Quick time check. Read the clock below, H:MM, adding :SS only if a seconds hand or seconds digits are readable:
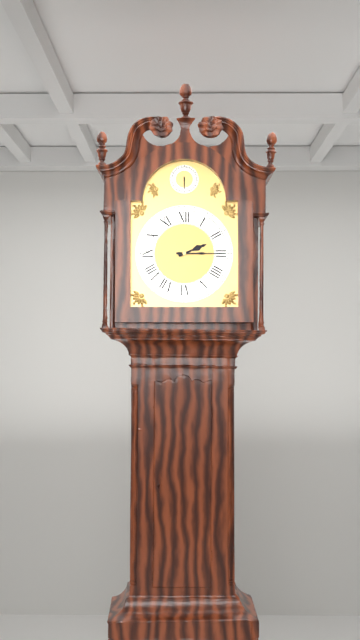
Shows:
2:15
